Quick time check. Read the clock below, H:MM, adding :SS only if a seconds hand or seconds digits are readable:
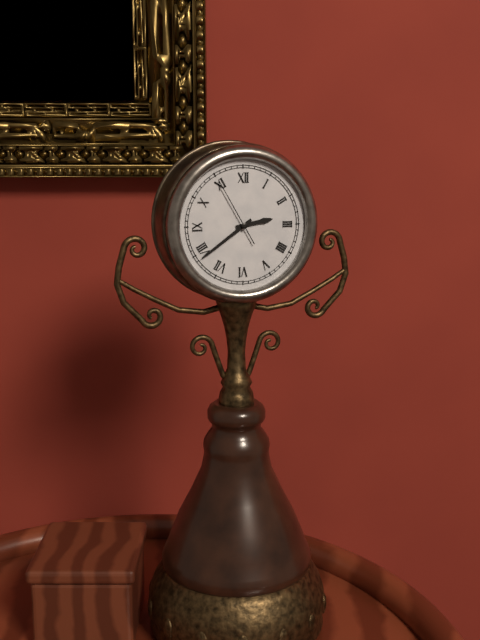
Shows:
2:39:55
